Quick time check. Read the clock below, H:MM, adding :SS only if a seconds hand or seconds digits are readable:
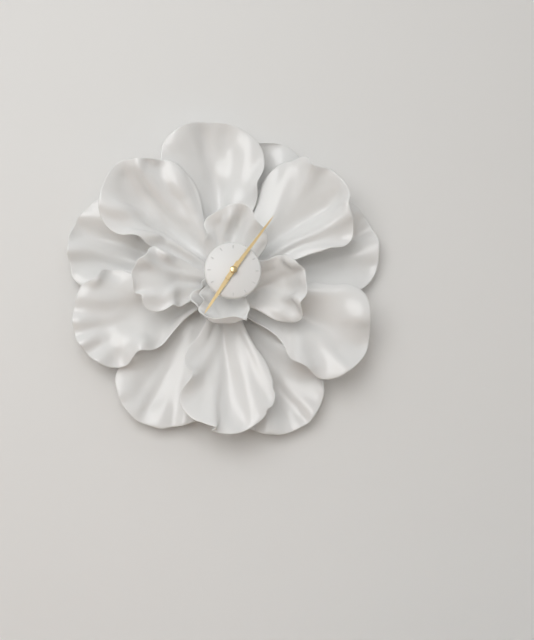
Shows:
7:06
